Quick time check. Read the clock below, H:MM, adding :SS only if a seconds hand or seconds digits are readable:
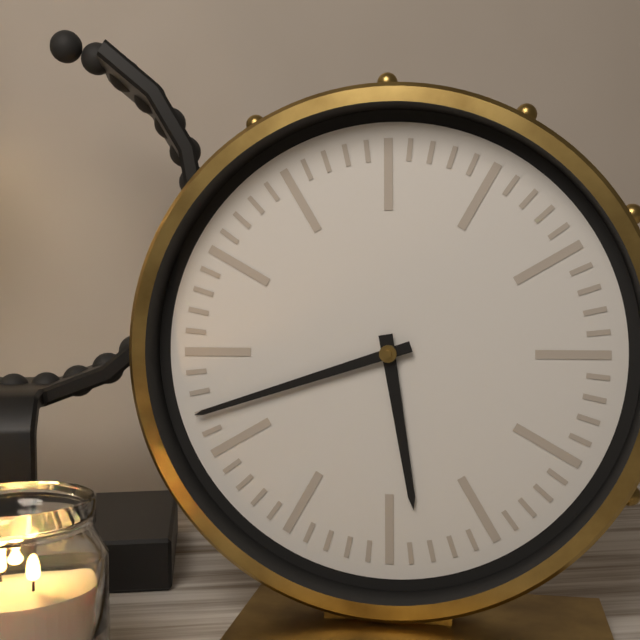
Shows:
5:42
